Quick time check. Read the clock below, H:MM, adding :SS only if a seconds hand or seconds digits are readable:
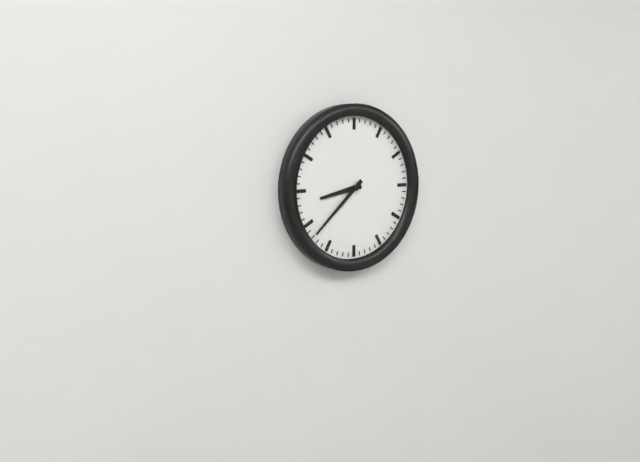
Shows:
8:38
